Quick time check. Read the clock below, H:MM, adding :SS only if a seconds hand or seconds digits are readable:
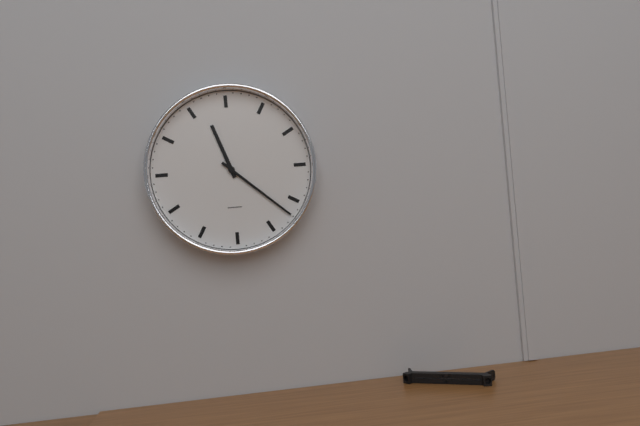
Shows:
11:22
